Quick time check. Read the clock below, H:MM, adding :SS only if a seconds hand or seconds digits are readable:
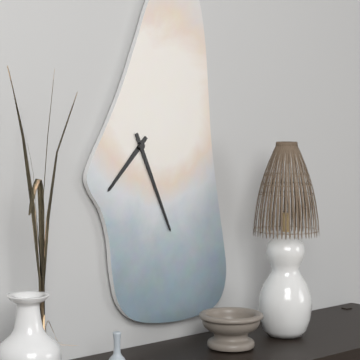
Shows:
7:26
